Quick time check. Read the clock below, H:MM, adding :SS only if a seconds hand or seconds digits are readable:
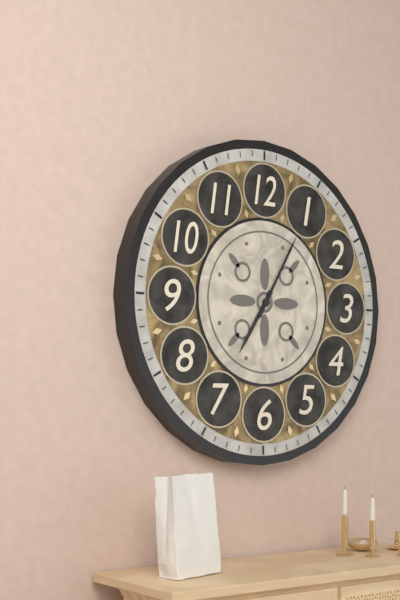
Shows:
7:05
